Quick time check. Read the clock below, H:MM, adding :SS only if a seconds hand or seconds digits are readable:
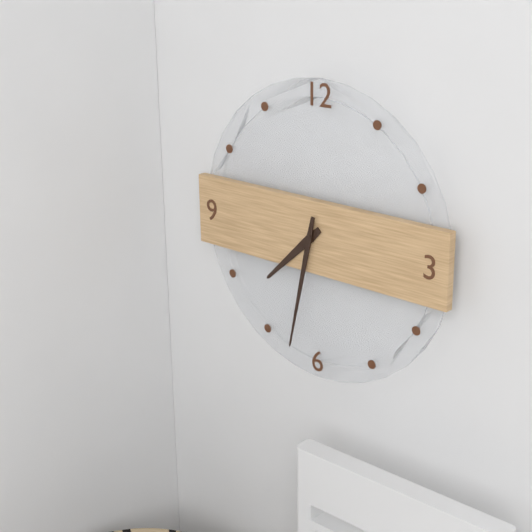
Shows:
7:32
